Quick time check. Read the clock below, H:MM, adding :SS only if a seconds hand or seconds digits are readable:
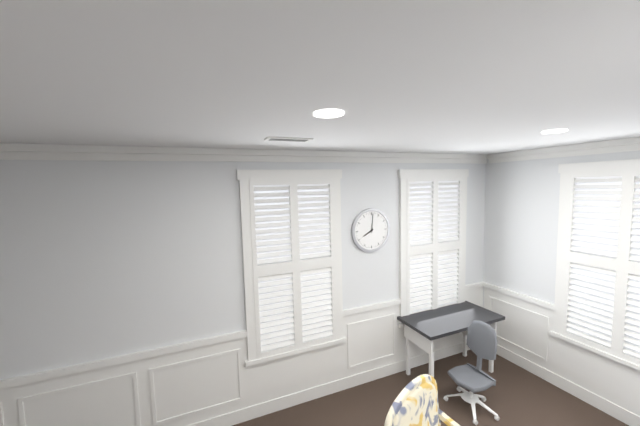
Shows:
8:01
